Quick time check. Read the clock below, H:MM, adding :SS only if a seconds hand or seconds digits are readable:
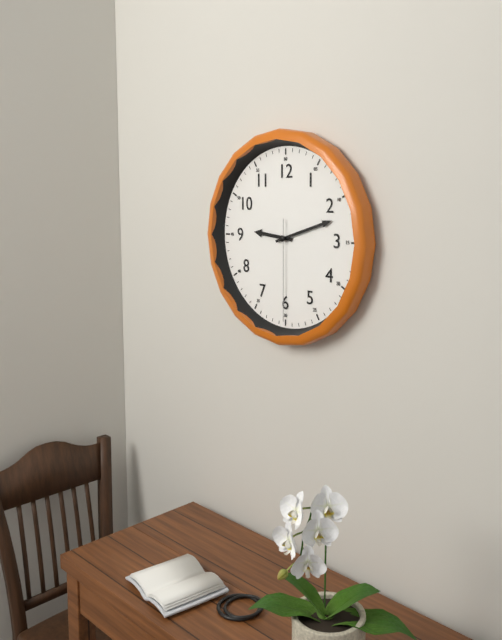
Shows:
9:12:30
